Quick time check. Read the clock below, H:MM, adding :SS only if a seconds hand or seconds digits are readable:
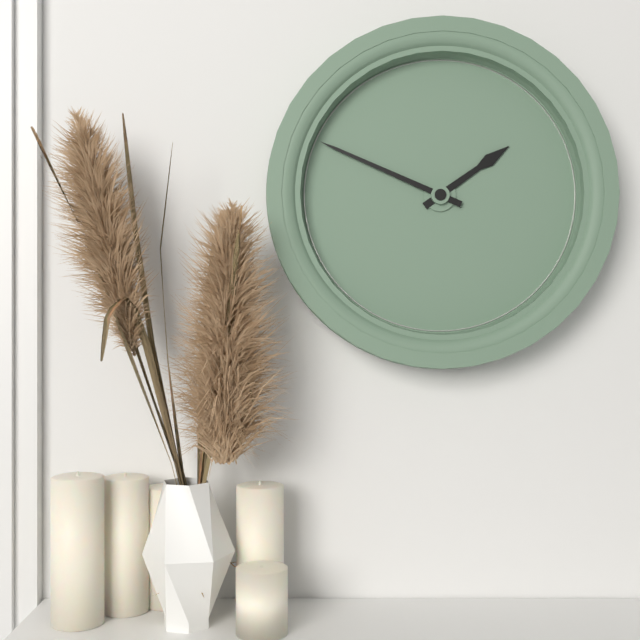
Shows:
1:49
